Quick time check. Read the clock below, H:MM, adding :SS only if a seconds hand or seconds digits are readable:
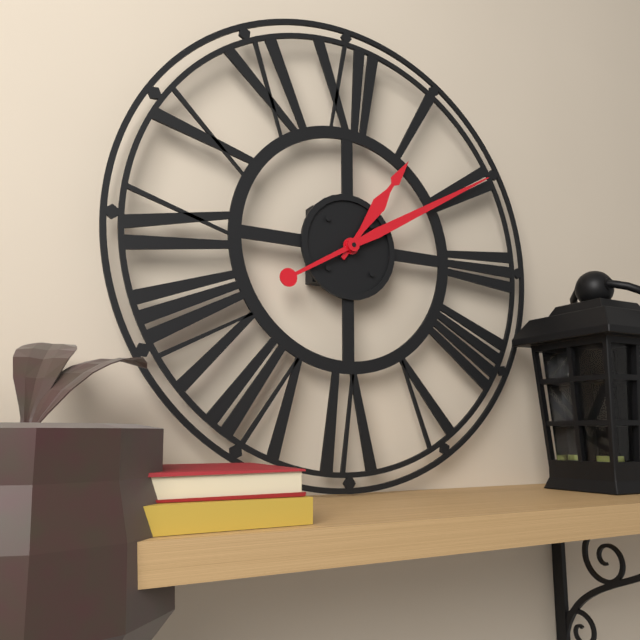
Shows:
1:10
